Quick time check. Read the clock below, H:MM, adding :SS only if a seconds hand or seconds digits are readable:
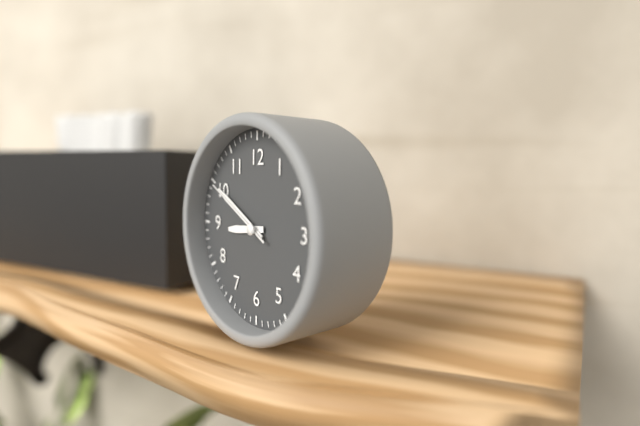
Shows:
8:50:50
